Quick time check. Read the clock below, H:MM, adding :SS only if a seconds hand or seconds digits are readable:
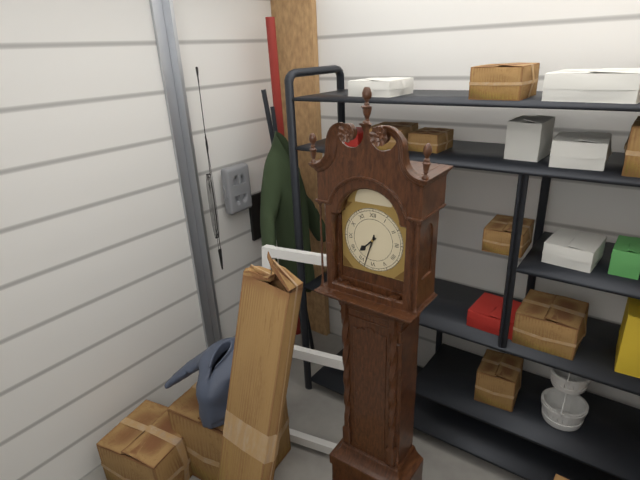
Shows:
7:33
